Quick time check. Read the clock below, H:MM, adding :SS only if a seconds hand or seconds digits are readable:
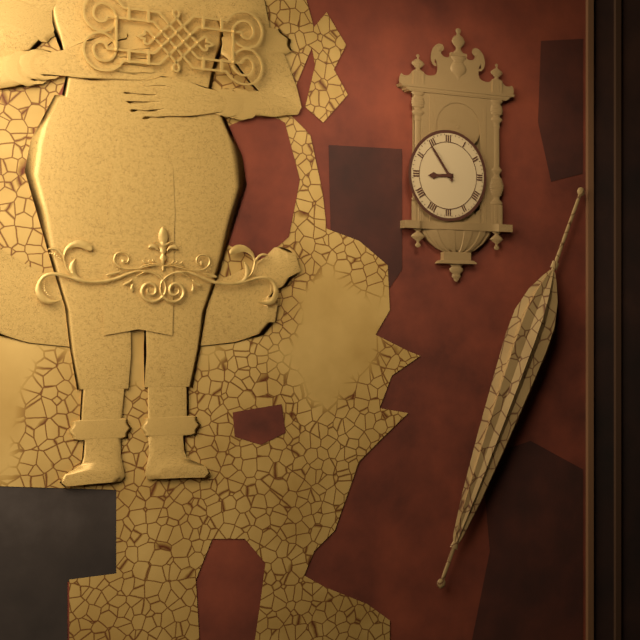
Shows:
8:54
